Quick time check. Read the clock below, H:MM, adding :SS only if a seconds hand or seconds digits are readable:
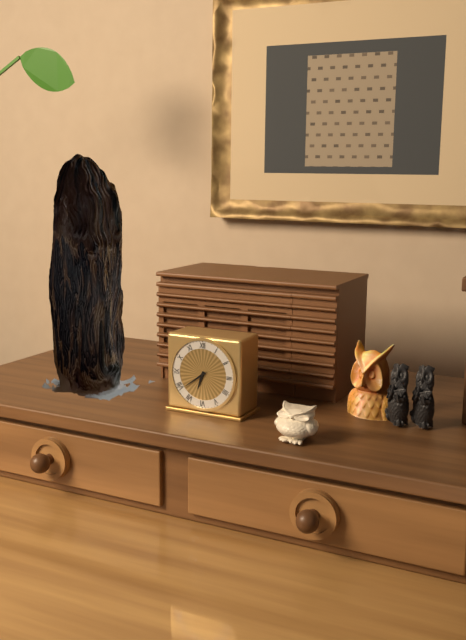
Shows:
6:39
